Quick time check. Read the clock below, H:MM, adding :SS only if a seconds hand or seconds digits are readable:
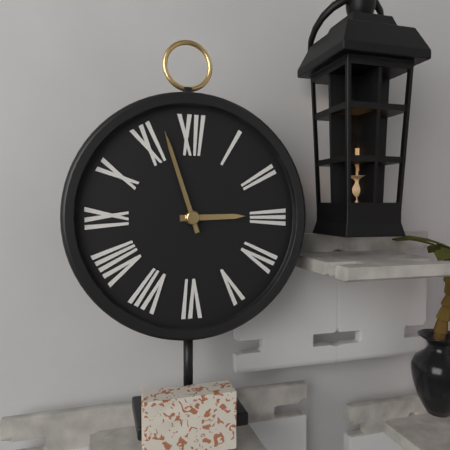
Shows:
2:57
